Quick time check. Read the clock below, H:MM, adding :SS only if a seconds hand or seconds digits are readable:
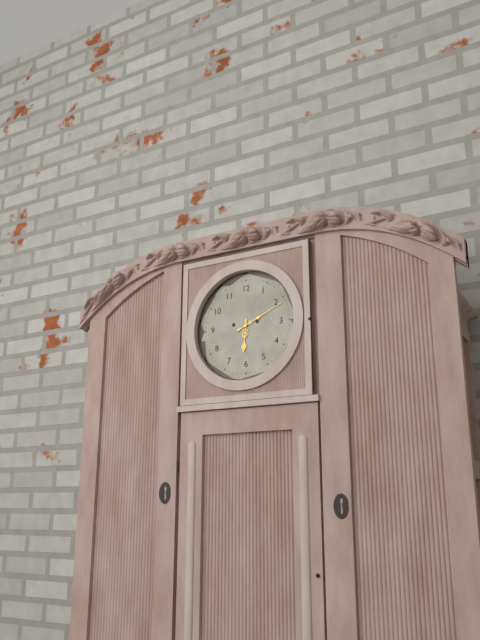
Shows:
6:11
